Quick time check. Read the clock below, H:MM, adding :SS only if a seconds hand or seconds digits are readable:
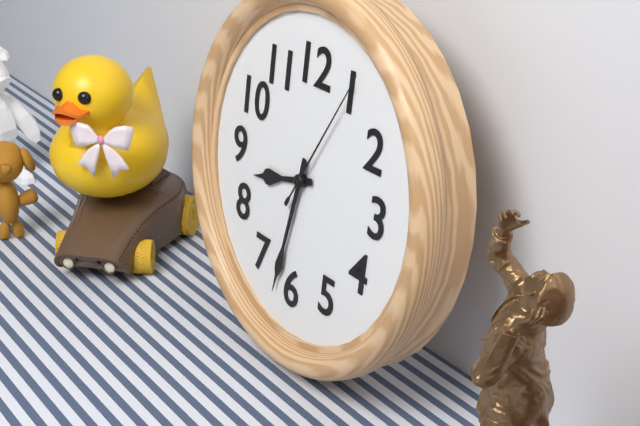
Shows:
8:32:05
